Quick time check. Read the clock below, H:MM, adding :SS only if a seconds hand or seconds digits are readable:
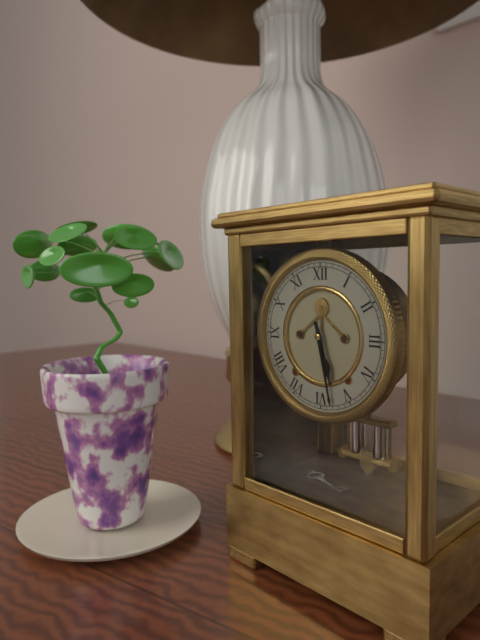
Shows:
5:28
